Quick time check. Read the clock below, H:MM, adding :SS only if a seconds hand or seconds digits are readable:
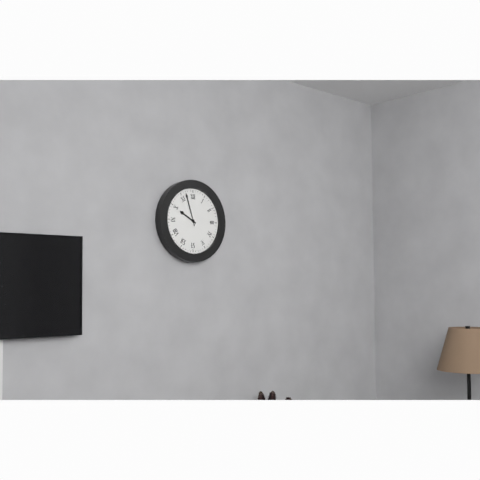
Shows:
9:57
